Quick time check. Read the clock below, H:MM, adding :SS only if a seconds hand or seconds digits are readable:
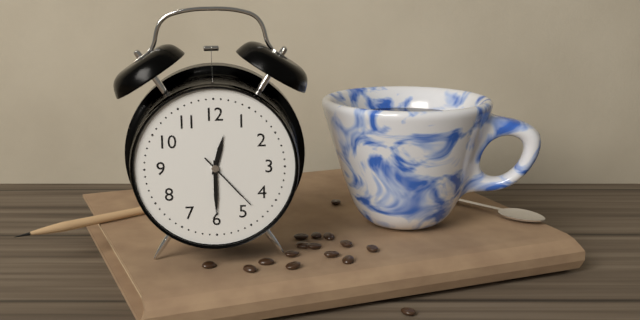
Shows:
12:30:23
